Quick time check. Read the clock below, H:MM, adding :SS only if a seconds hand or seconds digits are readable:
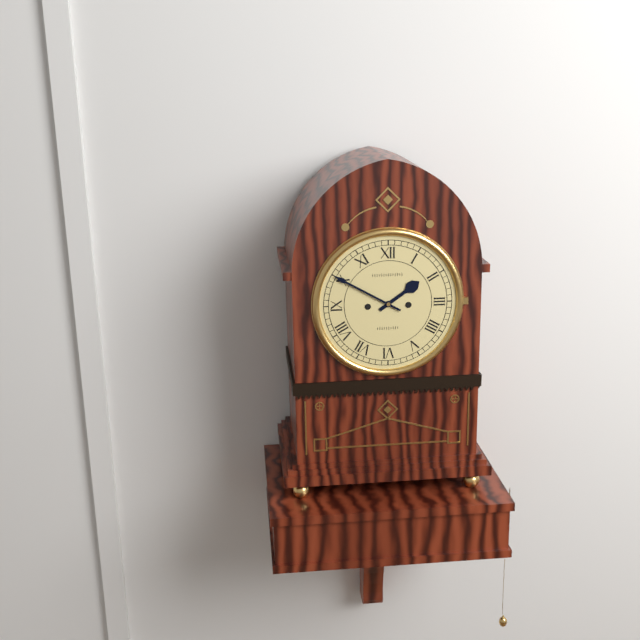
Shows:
1:50
